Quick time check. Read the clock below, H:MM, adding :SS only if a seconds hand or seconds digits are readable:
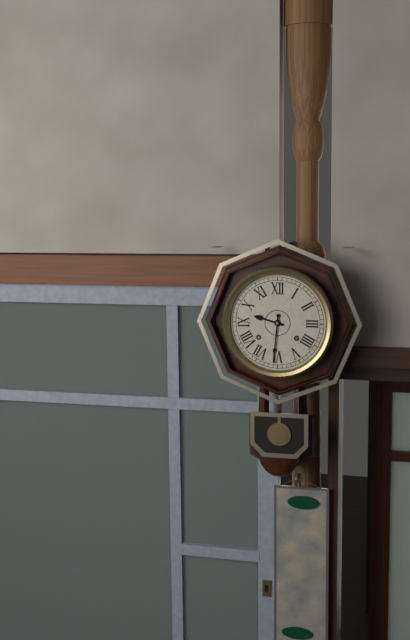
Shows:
9:31
